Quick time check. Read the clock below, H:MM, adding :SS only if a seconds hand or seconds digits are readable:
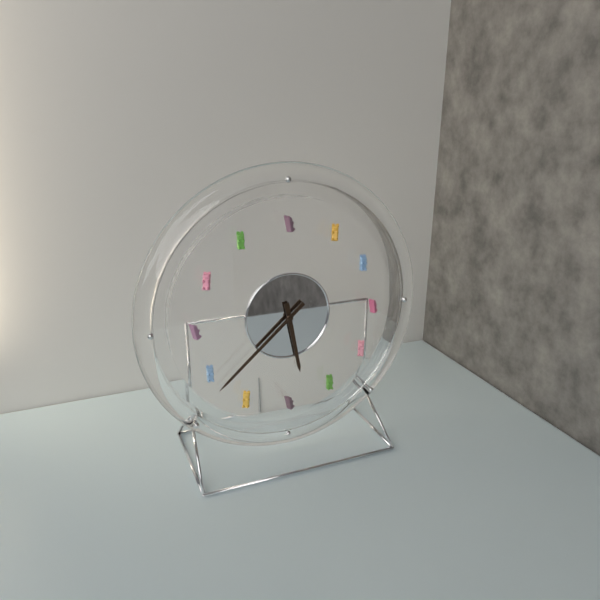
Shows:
5:38
